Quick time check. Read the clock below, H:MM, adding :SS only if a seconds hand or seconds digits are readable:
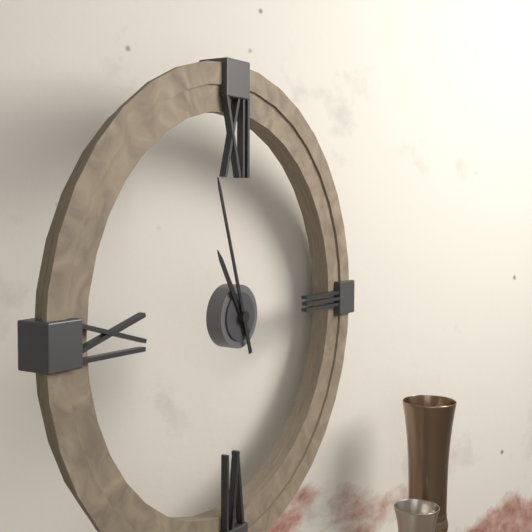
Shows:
10:57
